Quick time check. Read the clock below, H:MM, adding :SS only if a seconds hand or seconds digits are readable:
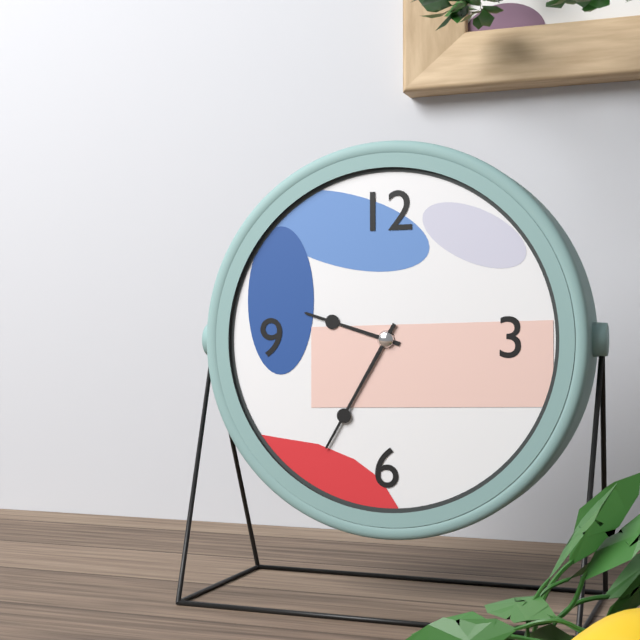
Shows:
9:35
